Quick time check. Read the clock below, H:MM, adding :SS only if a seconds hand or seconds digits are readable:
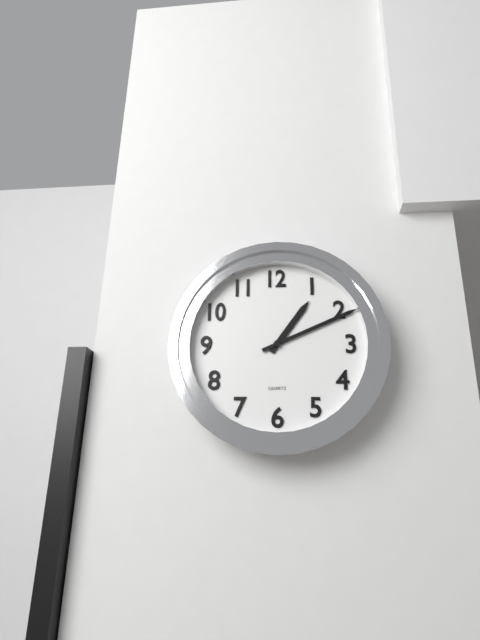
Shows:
1:11
